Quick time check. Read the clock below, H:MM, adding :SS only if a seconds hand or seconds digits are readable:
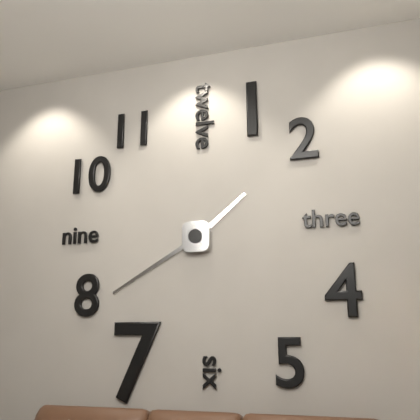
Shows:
1:40
